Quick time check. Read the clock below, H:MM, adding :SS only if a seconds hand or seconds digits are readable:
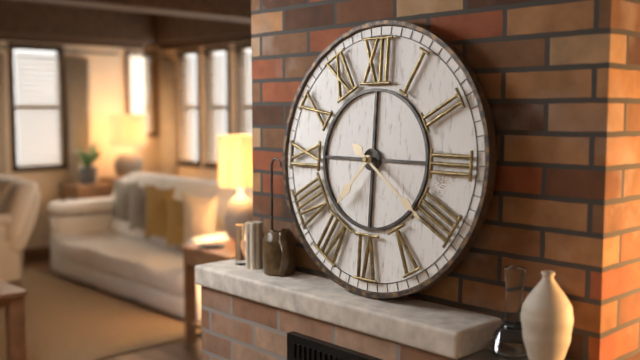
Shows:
7:21
